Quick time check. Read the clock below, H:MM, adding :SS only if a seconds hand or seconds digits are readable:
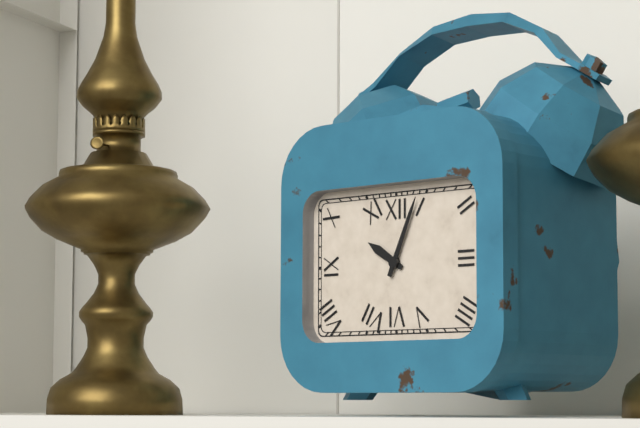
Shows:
10:04
